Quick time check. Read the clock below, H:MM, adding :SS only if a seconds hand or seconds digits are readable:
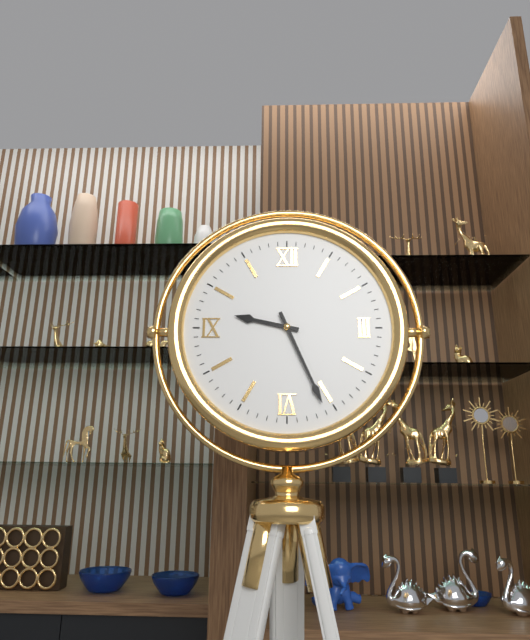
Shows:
9:26
